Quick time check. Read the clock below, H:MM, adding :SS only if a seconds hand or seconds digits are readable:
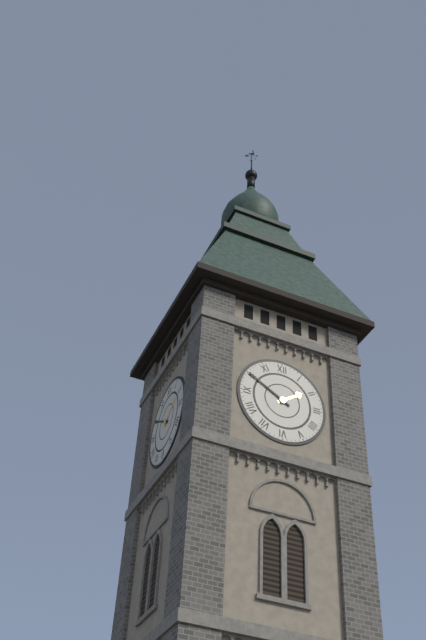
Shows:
1:50
